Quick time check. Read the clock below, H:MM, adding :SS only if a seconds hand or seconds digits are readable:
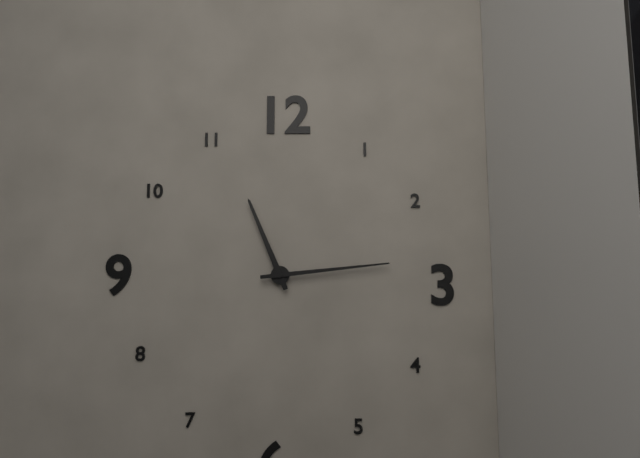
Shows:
11:14
